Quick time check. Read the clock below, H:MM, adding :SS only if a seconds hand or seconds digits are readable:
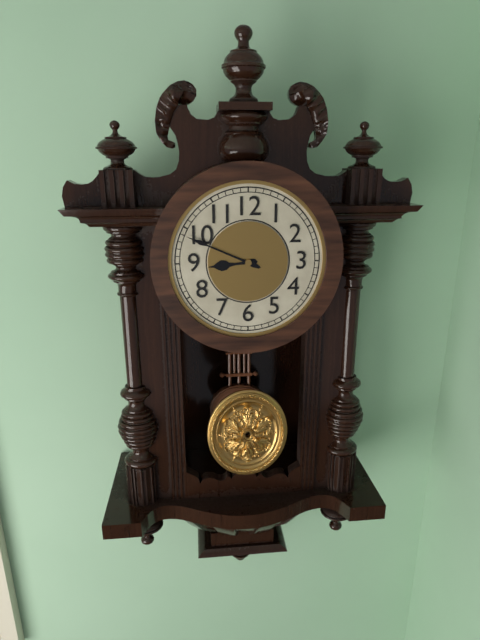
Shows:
8:49
